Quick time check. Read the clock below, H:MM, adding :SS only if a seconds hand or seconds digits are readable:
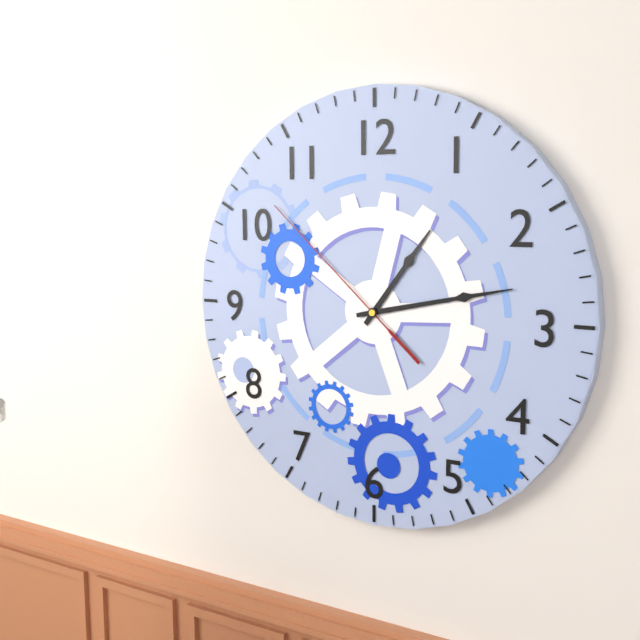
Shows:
1:13:52
